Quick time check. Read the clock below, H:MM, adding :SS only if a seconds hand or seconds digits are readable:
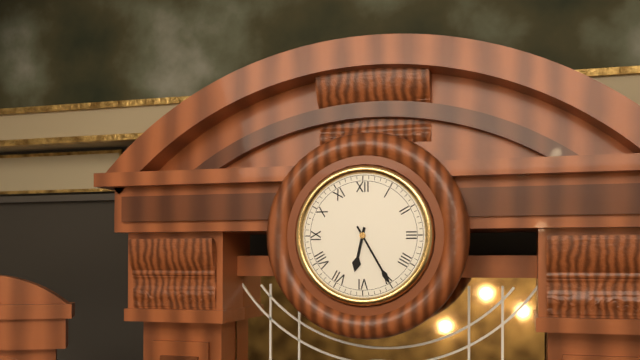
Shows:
6:25
